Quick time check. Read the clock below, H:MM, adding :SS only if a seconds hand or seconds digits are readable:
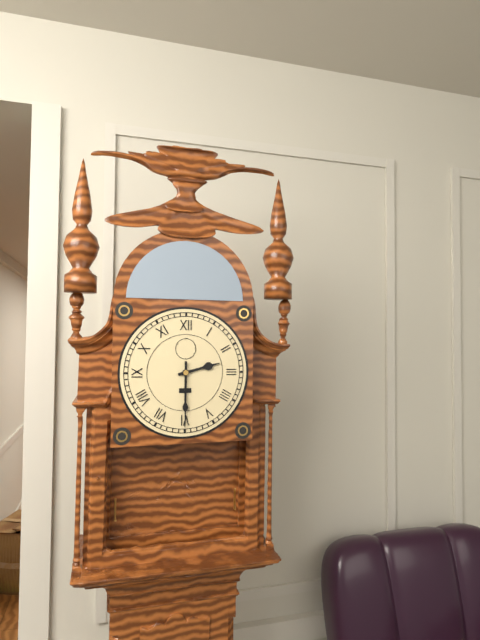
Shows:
2:30
